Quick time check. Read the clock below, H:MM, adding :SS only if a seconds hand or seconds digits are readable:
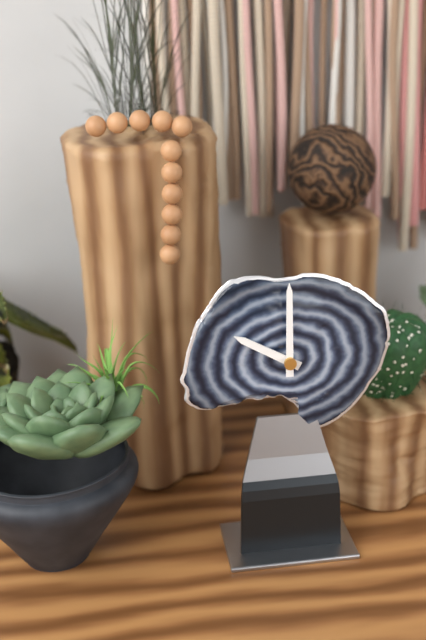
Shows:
10:00
